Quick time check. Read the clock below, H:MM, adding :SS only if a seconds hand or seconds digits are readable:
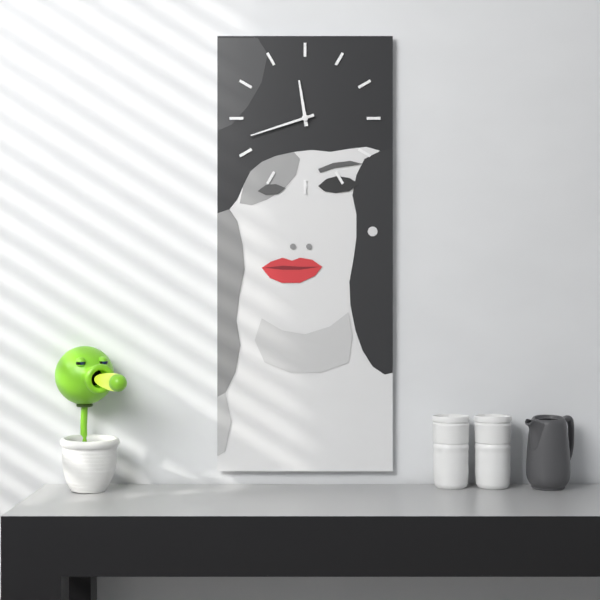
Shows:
11:42
